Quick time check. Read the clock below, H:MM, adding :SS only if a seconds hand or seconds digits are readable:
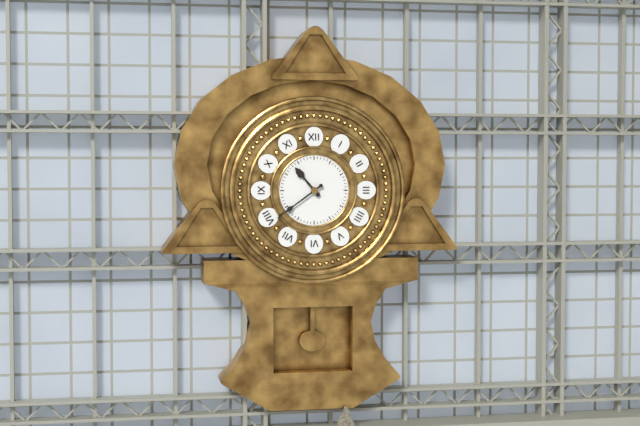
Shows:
10:39
